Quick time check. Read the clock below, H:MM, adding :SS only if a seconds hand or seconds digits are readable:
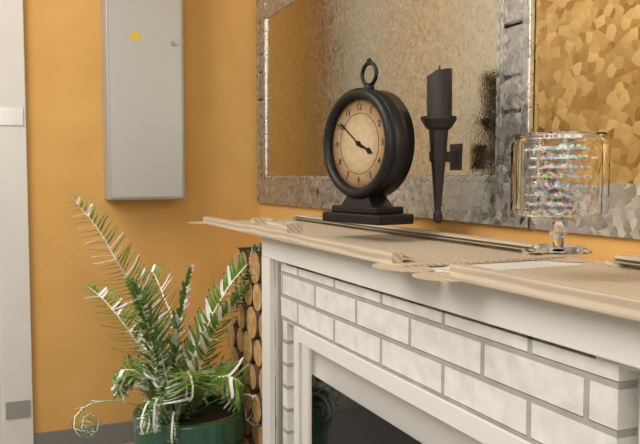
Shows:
3:51
